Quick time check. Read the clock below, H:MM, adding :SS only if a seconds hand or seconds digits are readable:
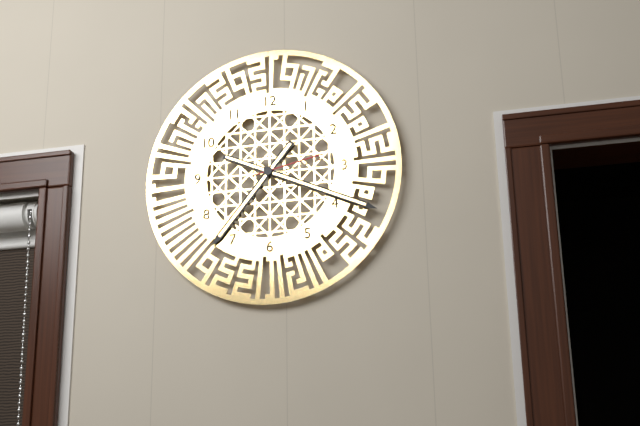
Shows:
7:19:13
